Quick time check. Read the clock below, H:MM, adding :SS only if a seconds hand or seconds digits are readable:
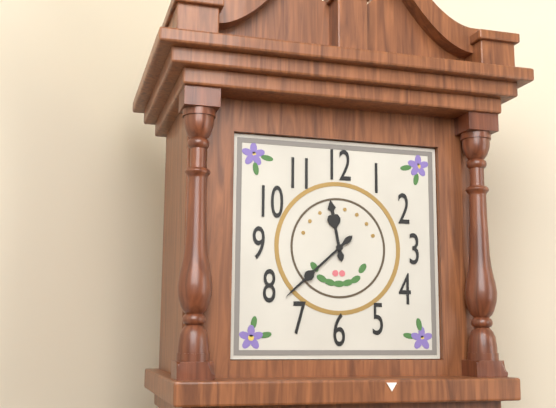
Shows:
11:38
